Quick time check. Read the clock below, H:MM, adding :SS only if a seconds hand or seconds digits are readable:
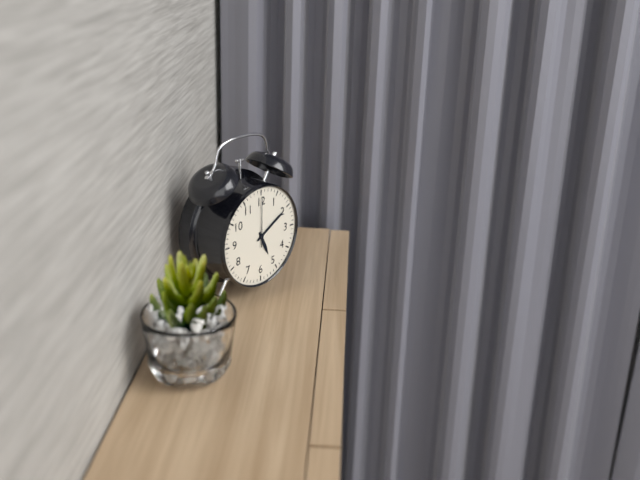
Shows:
5:10
